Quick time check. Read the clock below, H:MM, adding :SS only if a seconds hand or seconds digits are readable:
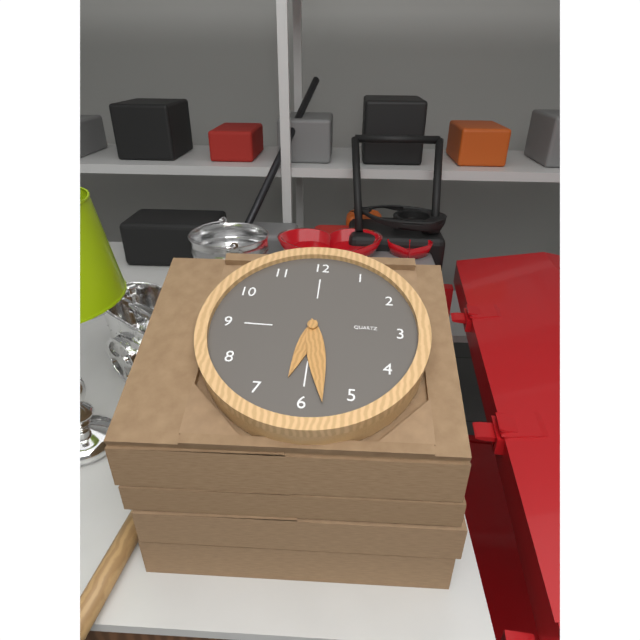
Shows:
6:28
